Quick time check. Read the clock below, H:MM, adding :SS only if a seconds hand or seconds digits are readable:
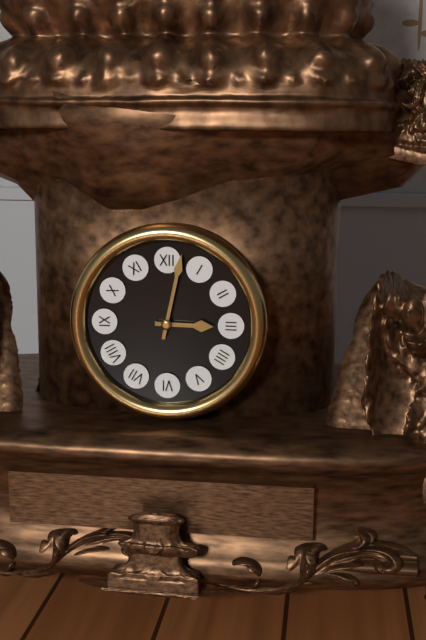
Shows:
3:02
